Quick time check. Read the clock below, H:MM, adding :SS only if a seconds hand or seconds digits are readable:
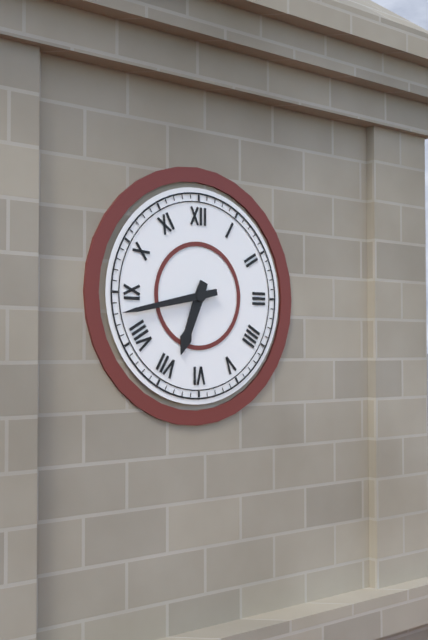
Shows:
6:43
